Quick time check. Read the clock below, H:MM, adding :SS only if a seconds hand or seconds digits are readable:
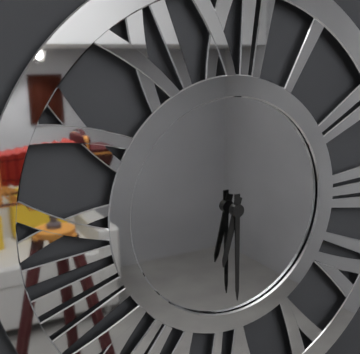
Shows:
6:30
